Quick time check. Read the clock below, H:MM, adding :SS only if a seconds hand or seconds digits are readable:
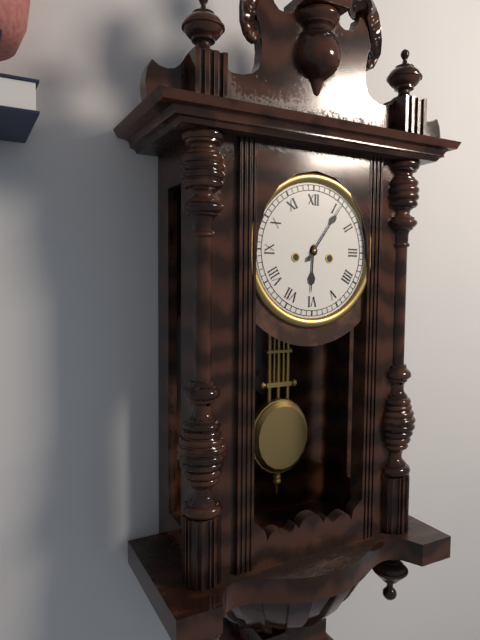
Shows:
6:06
